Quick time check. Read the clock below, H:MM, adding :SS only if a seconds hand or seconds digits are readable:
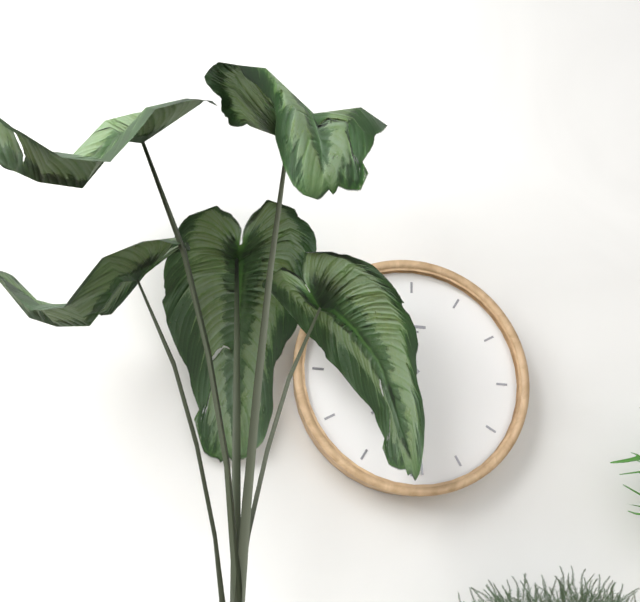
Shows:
7:29
